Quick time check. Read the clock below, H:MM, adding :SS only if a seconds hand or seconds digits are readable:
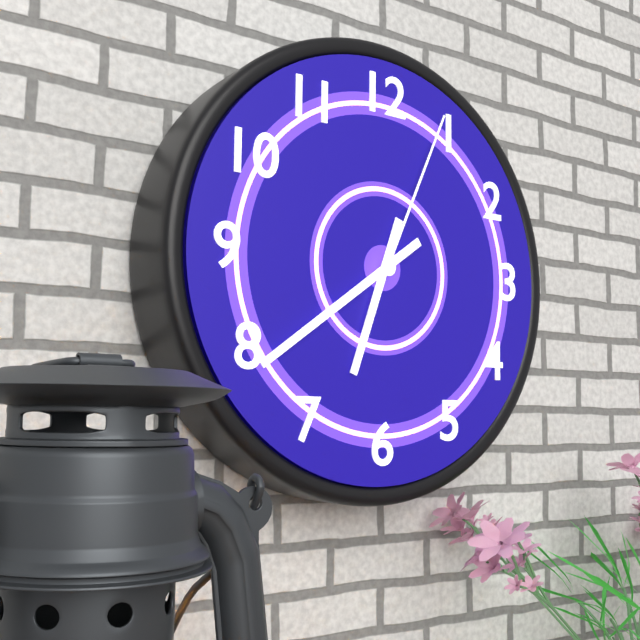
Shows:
6:39:04
